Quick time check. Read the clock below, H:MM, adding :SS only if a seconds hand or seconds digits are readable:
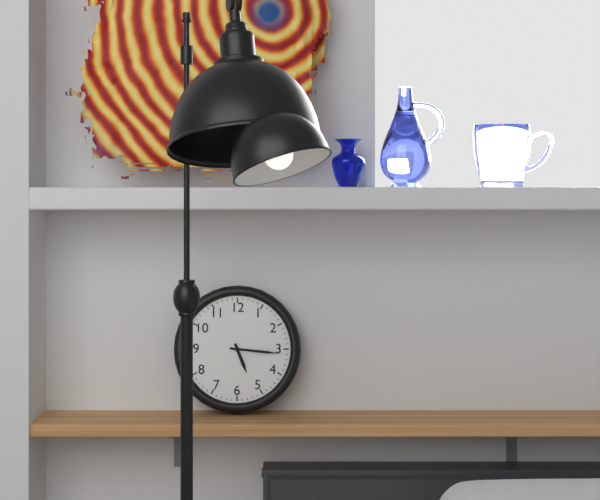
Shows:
5:16
